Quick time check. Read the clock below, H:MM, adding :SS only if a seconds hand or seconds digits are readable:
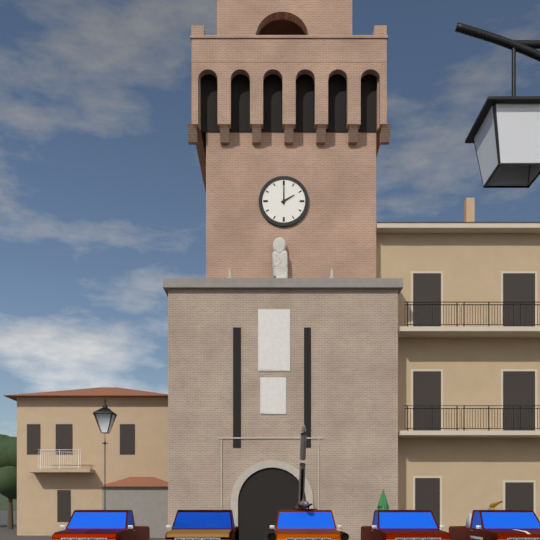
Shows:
2:00
